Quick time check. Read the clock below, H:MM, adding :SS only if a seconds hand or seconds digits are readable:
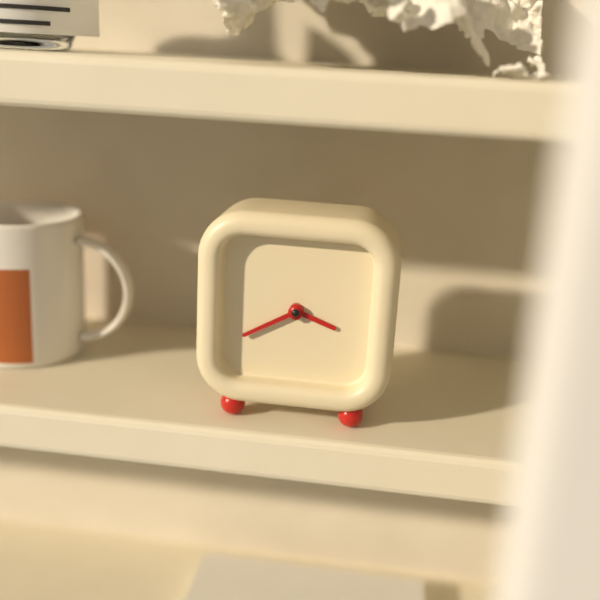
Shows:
3:40
